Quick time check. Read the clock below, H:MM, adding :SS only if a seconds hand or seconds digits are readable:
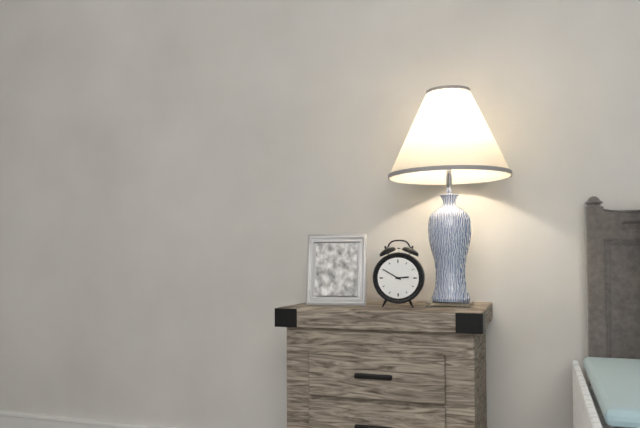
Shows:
2:50
